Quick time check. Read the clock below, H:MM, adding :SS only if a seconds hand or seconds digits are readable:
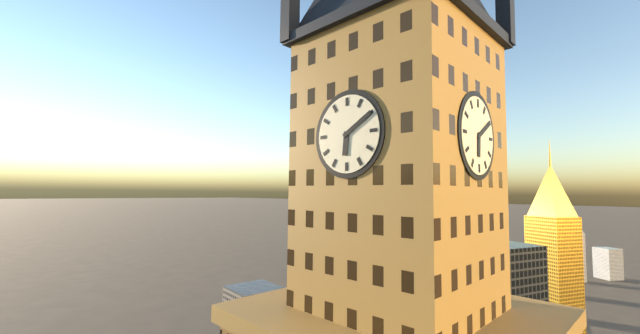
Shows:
6:10
